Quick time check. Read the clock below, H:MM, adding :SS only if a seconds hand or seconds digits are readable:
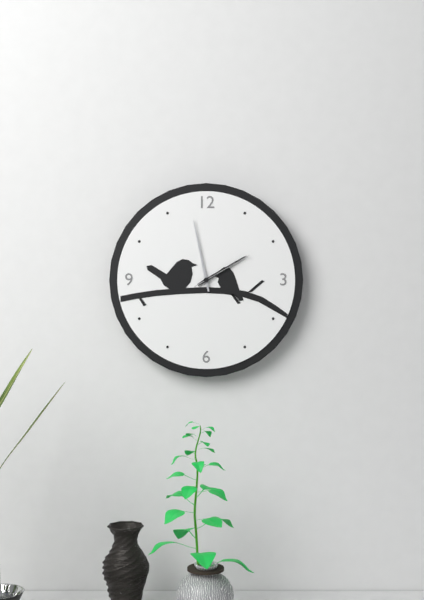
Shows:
1:58:10
